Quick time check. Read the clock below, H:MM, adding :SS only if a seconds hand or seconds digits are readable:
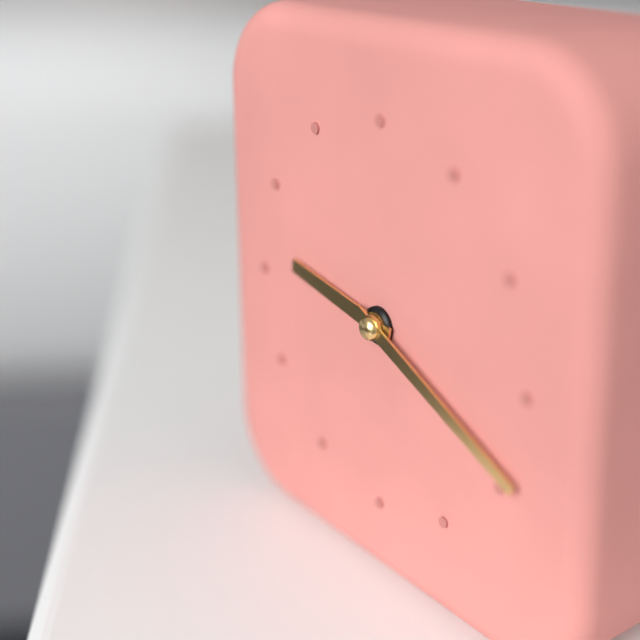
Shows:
9:19
